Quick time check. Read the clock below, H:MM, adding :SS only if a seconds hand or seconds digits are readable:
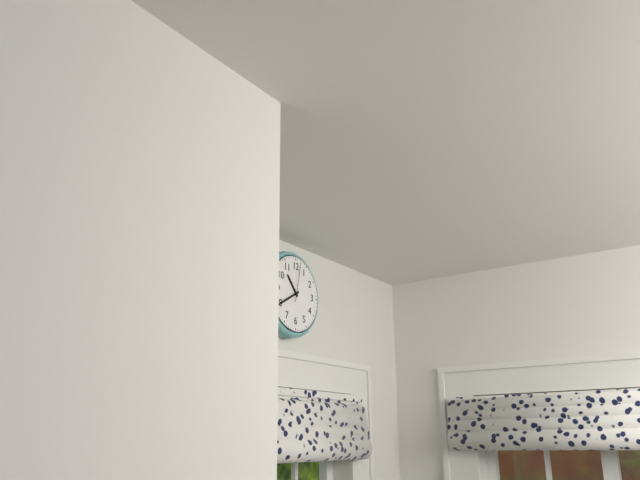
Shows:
10:40
